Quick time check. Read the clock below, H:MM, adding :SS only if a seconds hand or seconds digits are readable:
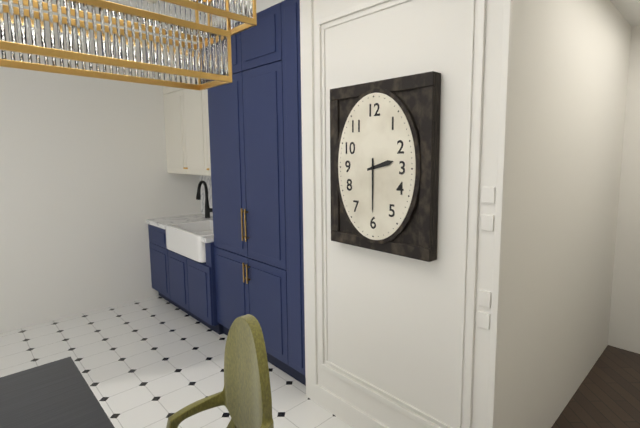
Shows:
2:30
